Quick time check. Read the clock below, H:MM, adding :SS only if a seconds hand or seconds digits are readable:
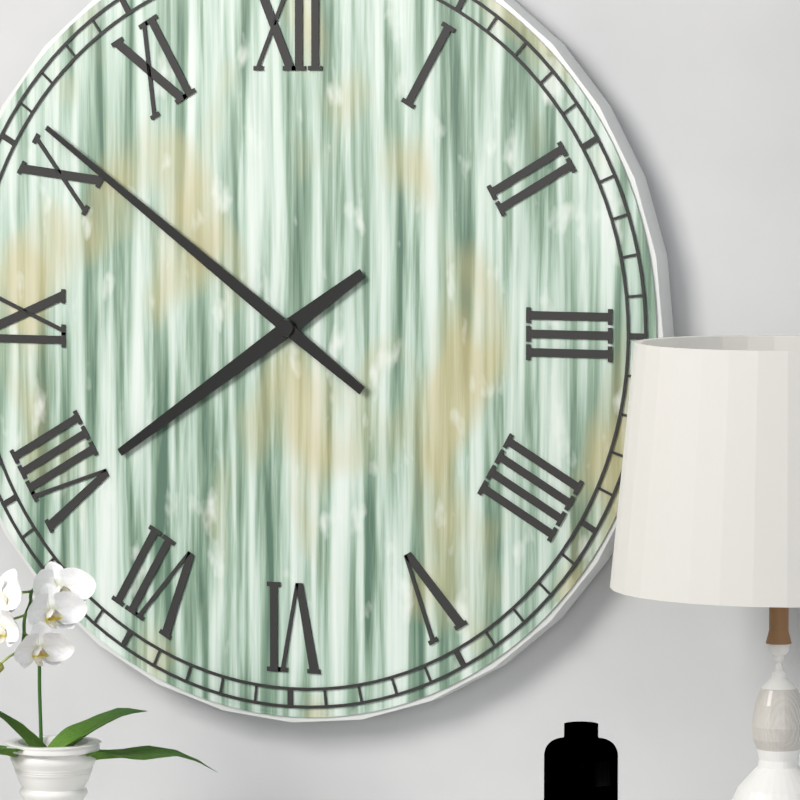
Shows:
7:51
